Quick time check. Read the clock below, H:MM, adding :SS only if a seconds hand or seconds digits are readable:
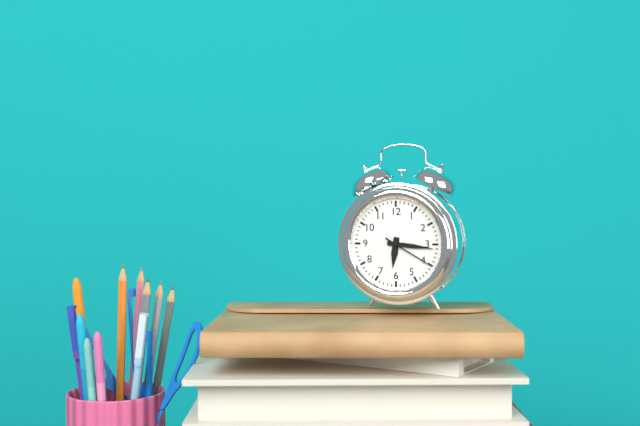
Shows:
6:16:20
